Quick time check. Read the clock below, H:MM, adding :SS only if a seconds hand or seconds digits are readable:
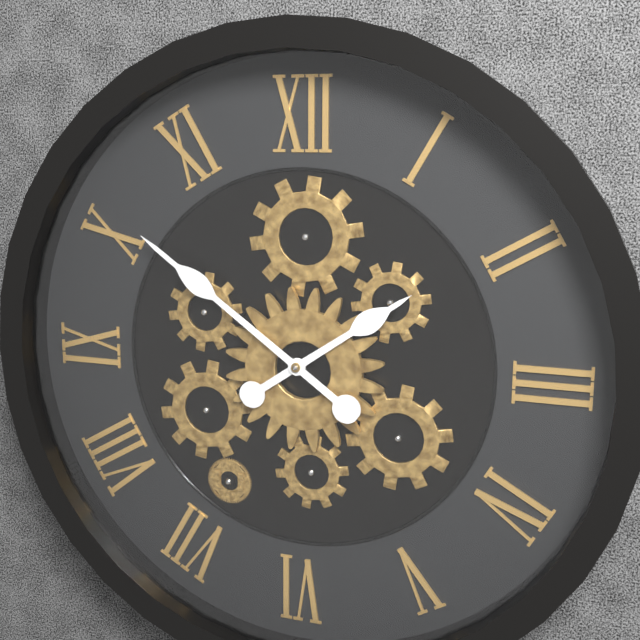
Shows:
1:51
